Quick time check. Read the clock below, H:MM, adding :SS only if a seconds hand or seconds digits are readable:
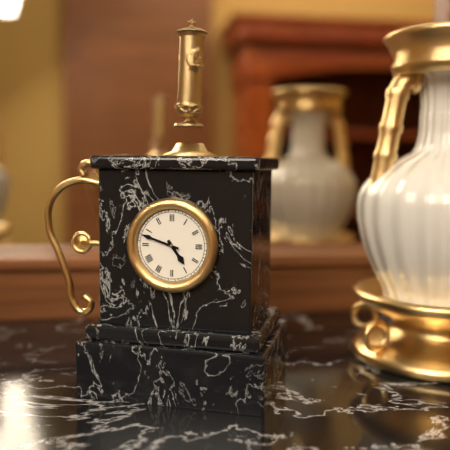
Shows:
4:48
